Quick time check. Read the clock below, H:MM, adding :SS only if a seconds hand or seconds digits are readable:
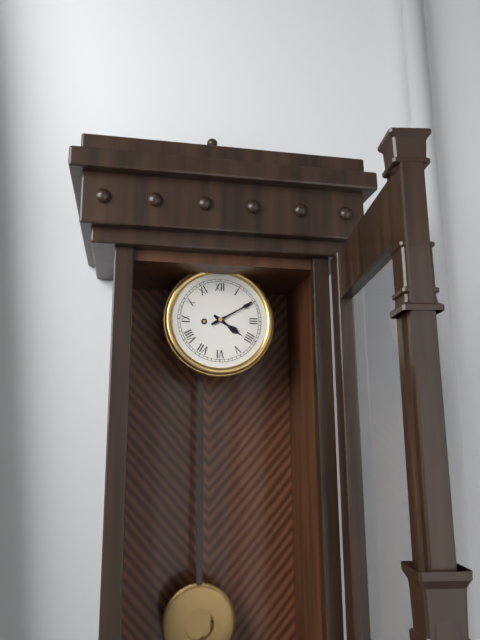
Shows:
4:10
